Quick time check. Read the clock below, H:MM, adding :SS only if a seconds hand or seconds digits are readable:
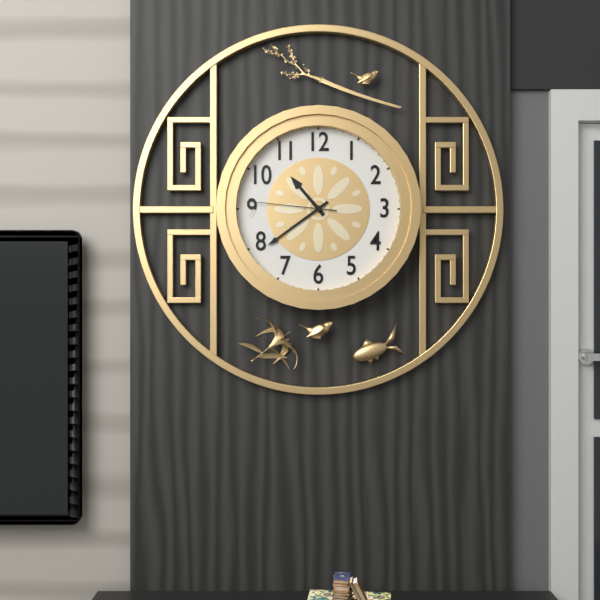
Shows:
10:39:46
